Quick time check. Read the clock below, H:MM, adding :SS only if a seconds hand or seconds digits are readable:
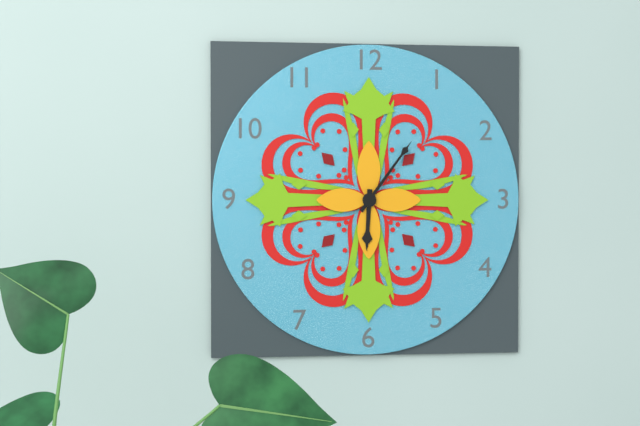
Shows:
6:06
